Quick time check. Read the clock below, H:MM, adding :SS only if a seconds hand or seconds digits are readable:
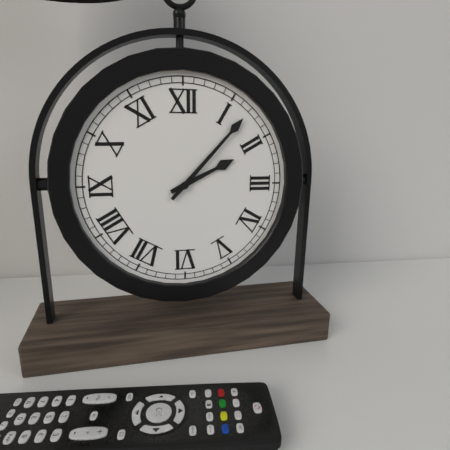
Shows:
2:07
